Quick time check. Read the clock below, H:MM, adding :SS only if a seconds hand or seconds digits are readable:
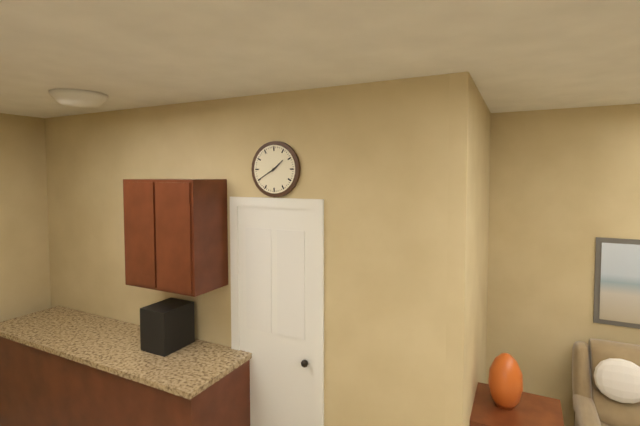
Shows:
1:40
